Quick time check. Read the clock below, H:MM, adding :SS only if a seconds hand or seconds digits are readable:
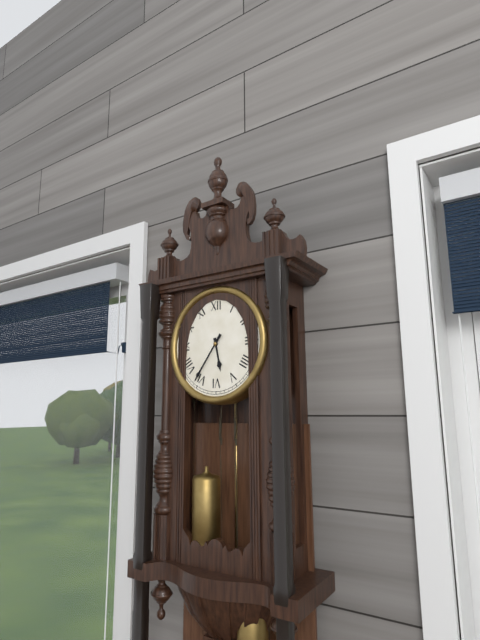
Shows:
5:36
